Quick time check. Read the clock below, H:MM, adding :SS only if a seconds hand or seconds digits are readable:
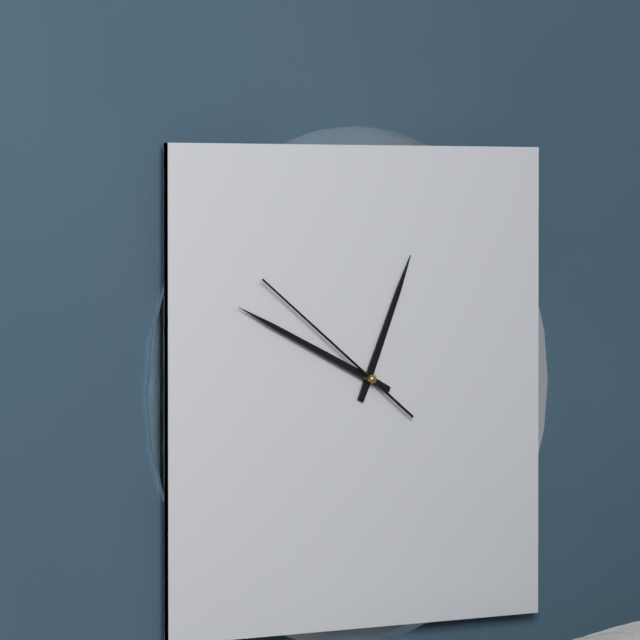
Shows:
12:49:51
